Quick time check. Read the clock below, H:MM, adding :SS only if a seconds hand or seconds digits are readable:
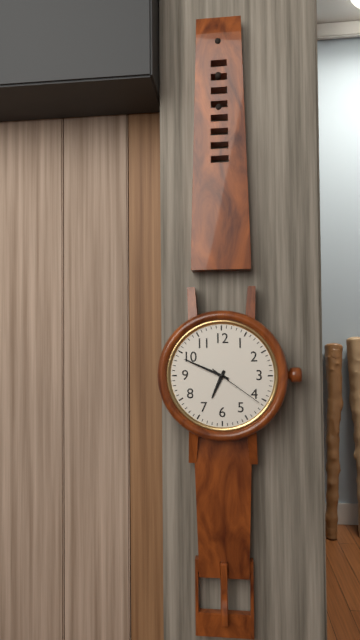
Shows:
6:49:21
